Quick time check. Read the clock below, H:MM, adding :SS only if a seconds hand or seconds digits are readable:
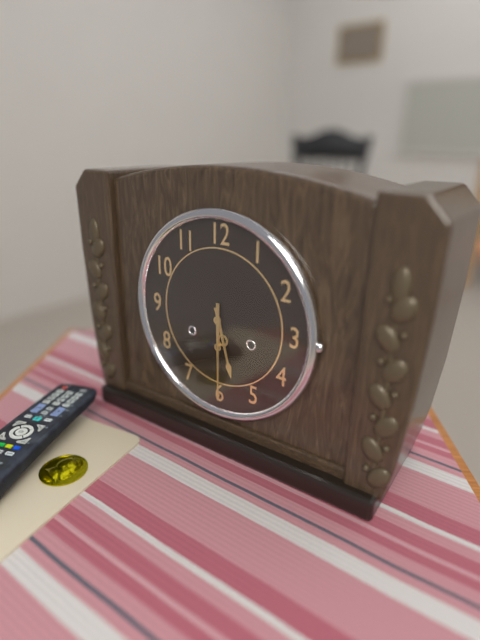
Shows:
5:30
